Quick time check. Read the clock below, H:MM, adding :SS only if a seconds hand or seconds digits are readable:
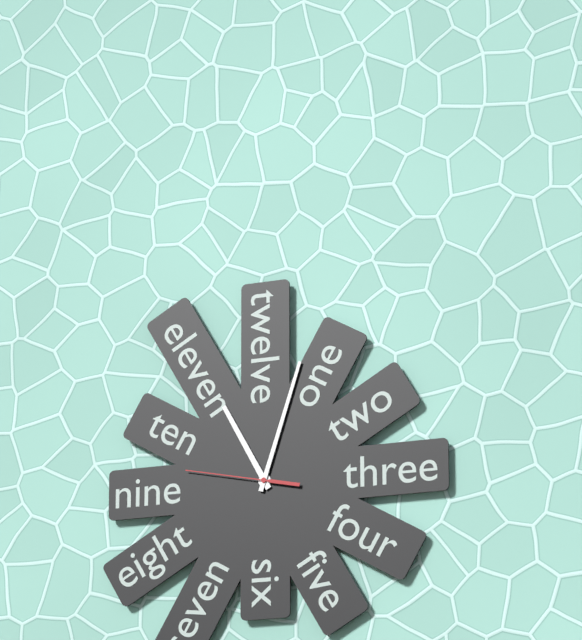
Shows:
11:03:47
